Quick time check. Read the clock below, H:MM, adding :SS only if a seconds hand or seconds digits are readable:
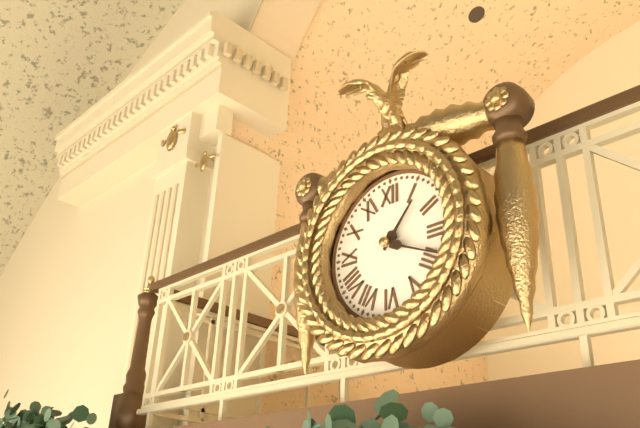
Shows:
1:19
